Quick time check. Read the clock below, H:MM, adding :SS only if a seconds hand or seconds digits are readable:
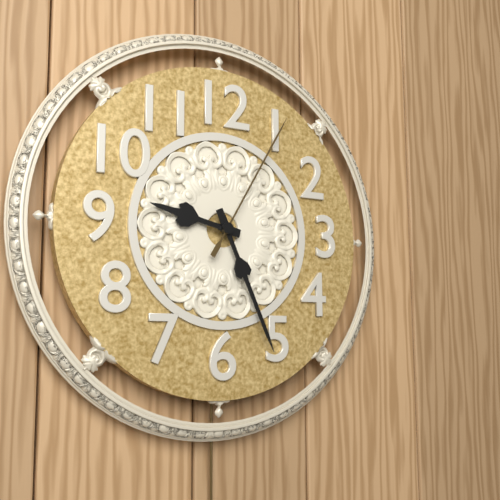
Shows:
9:26:05
